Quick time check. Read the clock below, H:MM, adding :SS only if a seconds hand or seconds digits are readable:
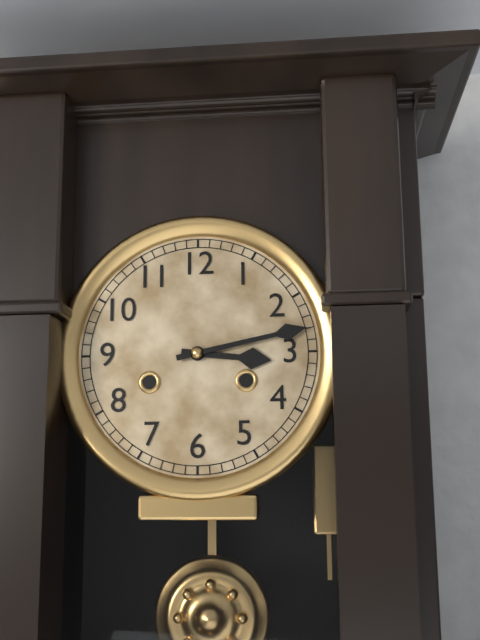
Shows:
3:13
